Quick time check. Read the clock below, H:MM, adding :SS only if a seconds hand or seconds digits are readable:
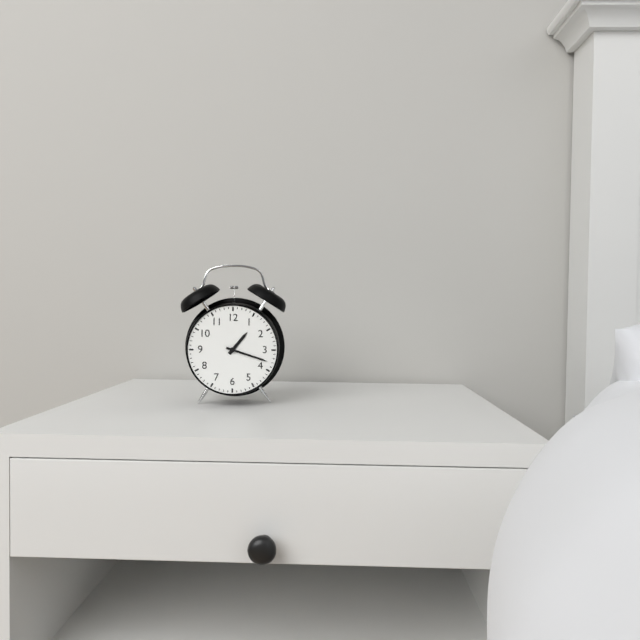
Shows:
1:18
